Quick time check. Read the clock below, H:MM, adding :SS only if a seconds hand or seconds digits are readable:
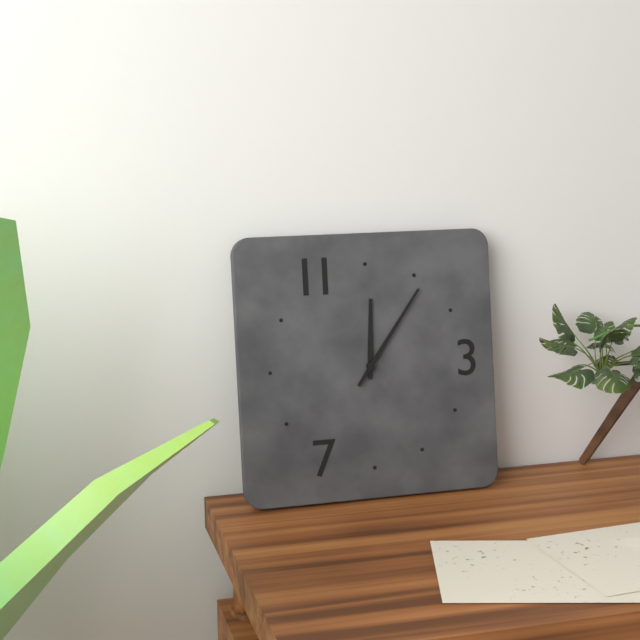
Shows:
12:06
